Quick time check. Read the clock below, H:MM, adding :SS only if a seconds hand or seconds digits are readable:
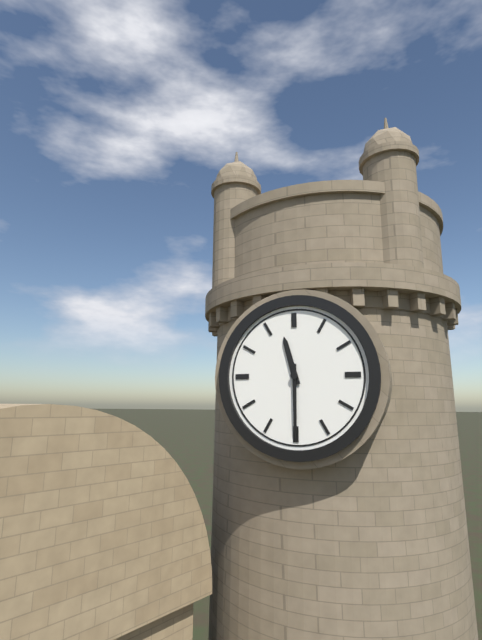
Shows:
11:30
